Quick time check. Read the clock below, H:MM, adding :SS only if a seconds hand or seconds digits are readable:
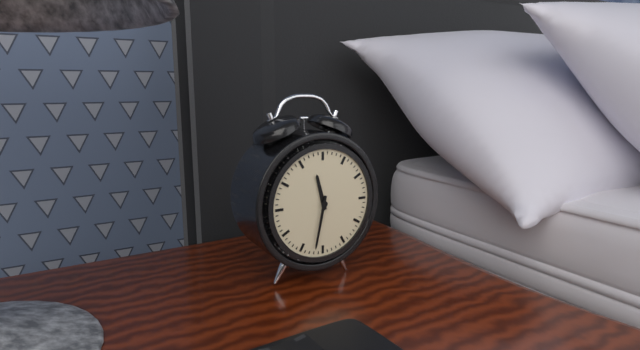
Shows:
11:32
